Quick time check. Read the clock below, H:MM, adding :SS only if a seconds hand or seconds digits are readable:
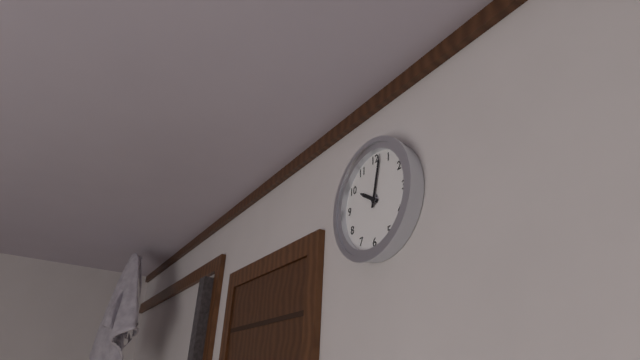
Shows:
10:02
